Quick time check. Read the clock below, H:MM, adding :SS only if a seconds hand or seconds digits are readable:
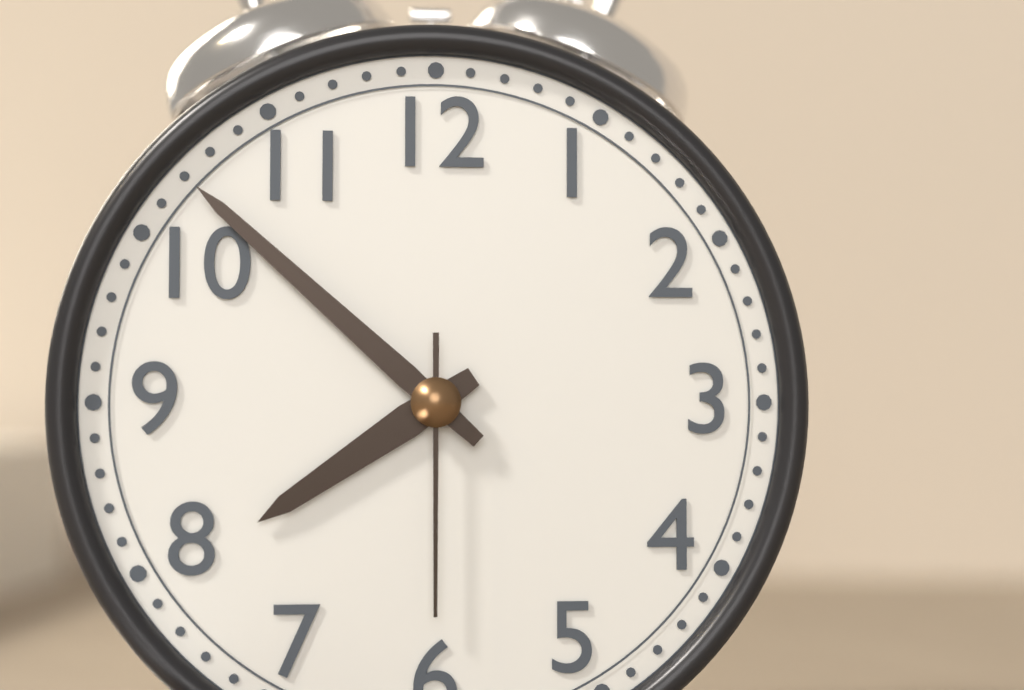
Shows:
7:52:30
